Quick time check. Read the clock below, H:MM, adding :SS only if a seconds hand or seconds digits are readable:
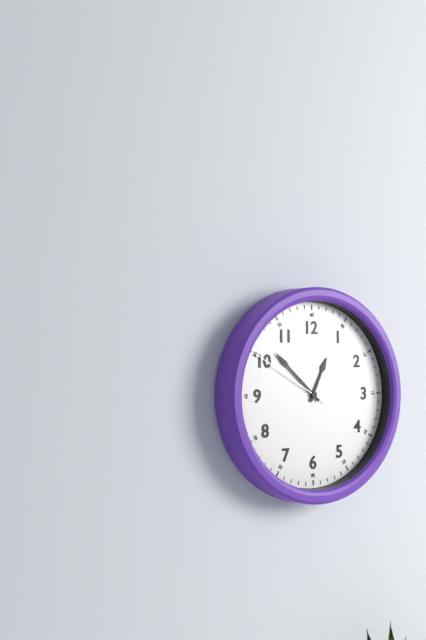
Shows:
12:52:50
